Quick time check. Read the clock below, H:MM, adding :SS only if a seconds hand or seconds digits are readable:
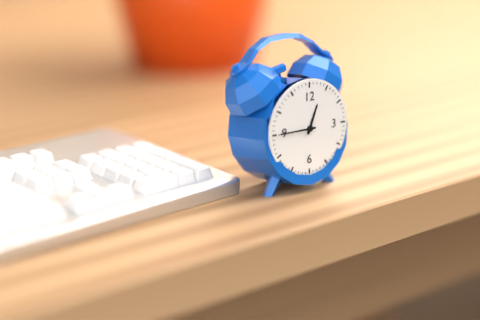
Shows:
12:45
